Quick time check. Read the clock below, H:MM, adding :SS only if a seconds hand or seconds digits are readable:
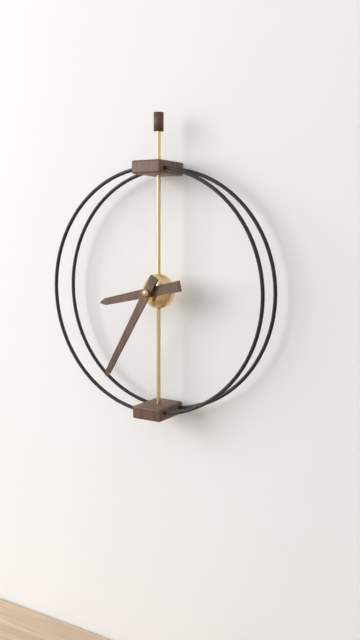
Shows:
8:35
